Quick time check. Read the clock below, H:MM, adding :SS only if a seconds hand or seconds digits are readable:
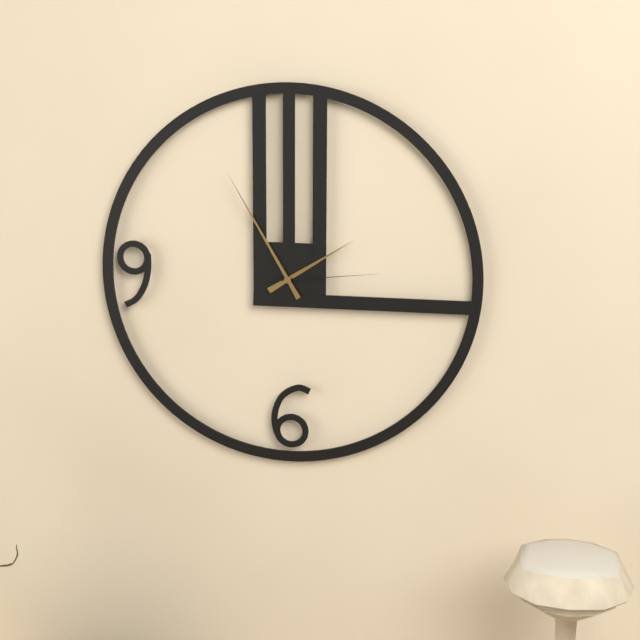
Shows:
1:55:14
